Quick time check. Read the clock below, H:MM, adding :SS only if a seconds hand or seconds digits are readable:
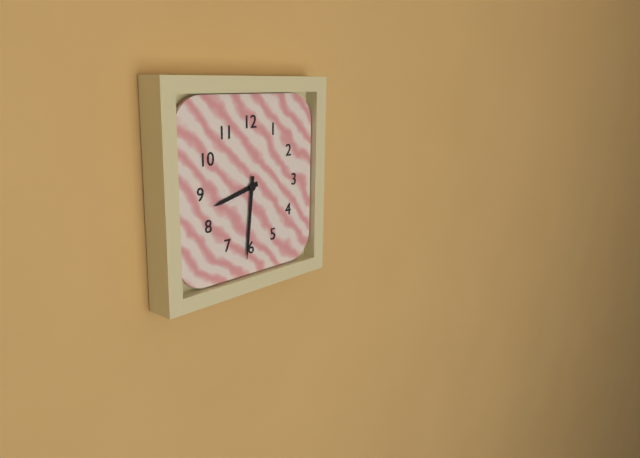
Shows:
8:31
